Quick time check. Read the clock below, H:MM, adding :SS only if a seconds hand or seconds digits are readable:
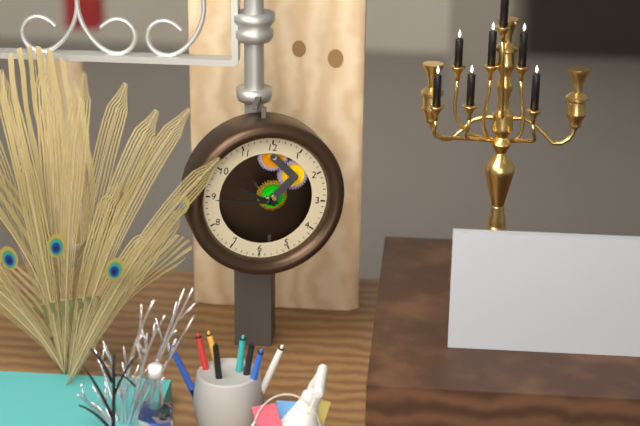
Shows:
9:45
